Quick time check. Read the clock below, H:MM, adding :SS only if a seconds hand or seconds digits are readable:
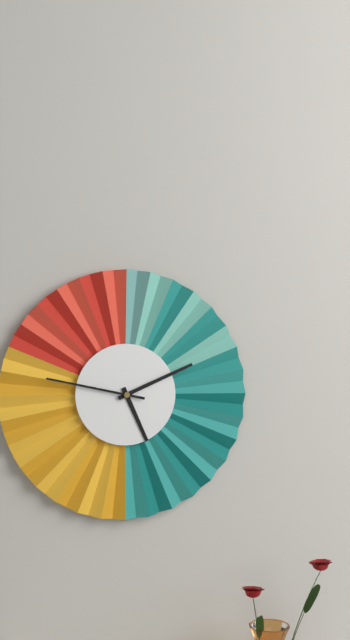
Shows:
5:11:47
